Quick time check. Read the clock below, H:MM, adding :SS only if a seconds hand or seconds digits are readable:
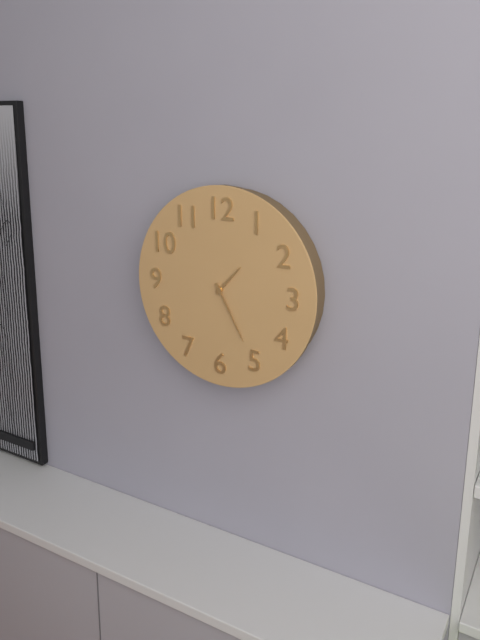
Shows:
1:25
